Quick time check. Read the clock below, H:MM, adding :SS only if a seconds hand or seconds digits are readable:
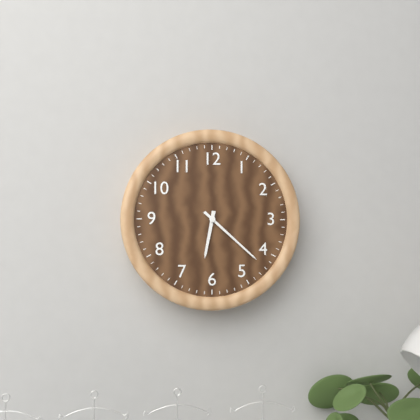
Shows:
6:22
